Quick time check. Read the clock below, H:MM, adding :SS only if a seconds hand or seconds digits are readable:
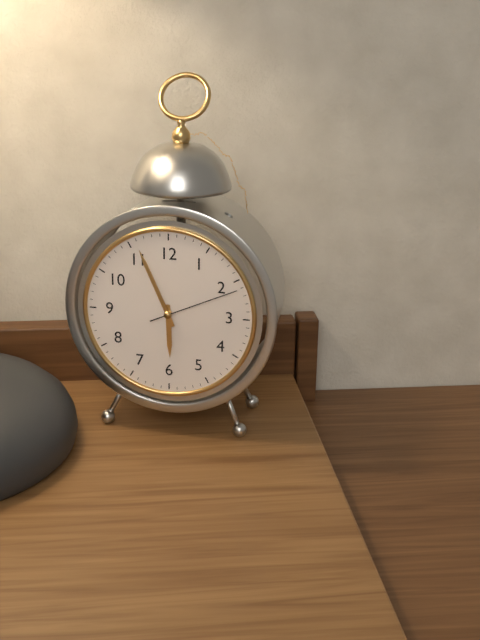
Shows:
5:56:11
